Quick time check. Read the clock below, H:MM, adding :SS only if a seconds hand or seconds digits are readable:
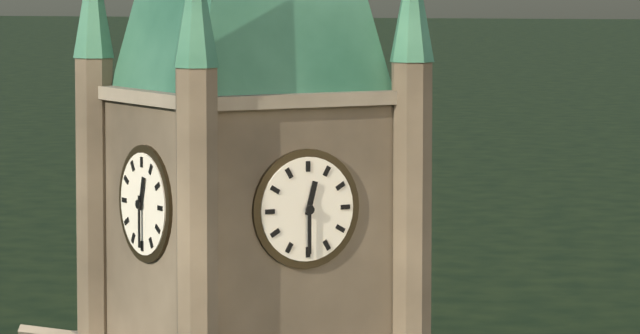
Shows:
12:30
